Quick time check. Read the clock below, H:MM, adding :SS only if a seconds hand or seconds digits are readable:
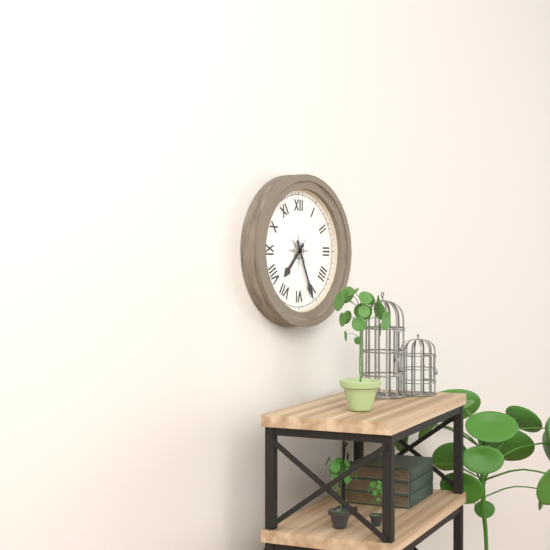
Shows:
7:26
